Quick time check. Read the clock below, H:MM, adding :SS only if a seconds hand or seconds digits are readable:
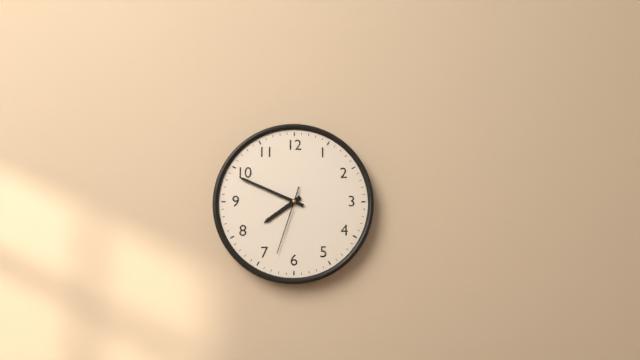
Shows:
7:49:33
